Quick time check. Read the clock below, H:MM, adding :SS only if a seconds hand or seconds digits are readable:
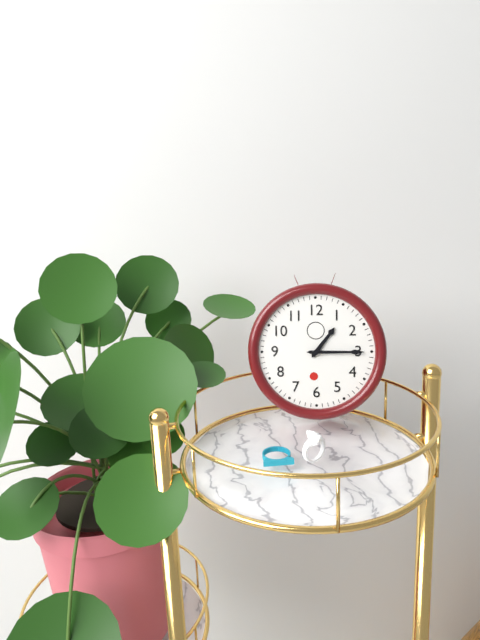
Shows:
1:15
